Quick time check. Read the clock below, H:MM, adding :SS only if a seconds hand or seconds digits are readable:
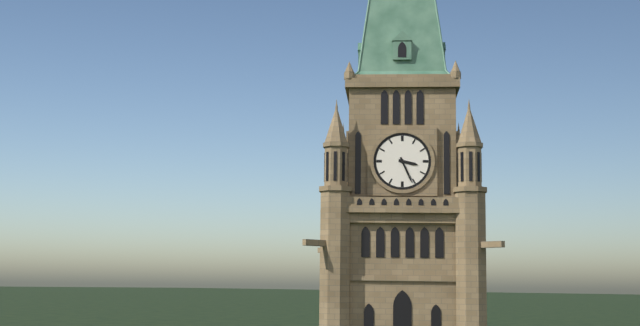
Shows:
3:26
